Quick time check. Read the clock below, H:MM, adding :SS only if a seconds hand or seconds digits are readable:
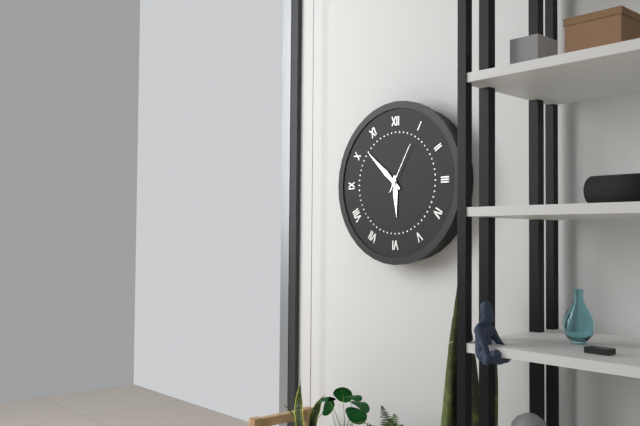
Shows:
5:52:05
